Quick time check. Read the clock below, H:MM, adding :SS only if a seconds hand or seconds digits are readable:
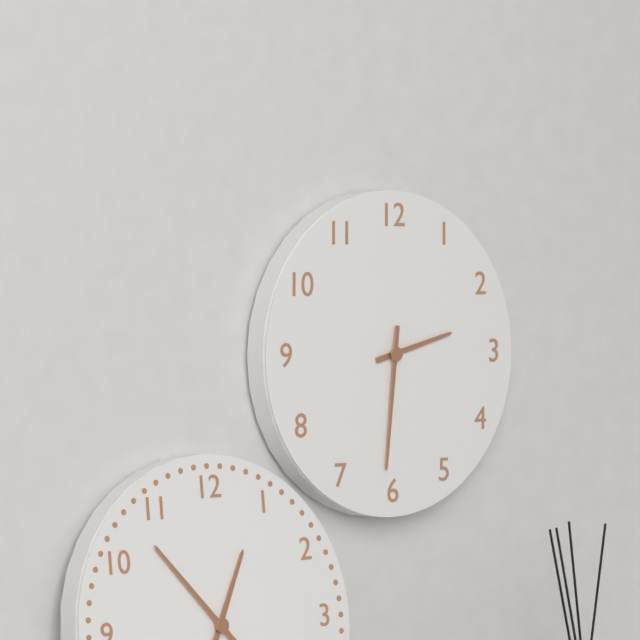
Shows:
2:31
